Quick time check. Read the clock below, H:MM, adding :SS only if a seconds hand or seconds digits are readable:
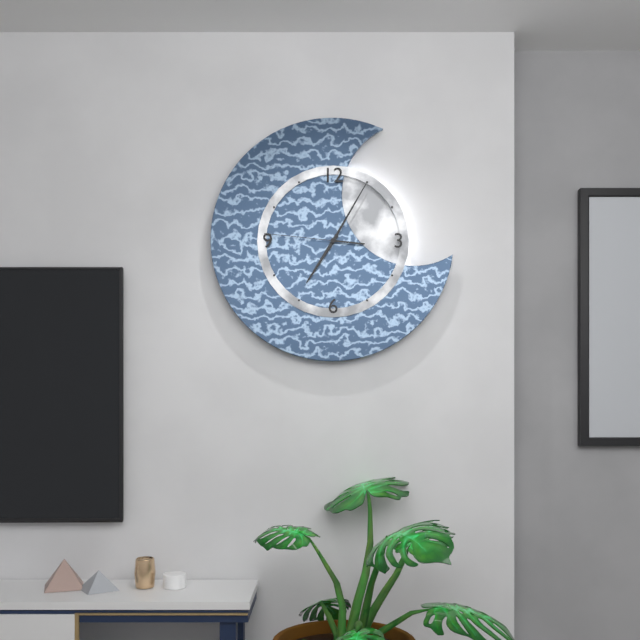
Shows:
7:05:46
